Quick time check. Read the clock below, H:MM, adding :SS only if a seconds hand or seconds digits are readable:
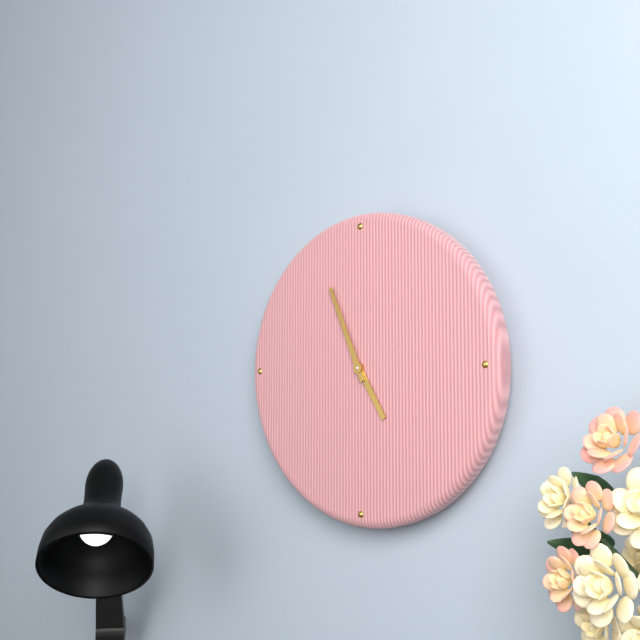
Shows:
4:56
